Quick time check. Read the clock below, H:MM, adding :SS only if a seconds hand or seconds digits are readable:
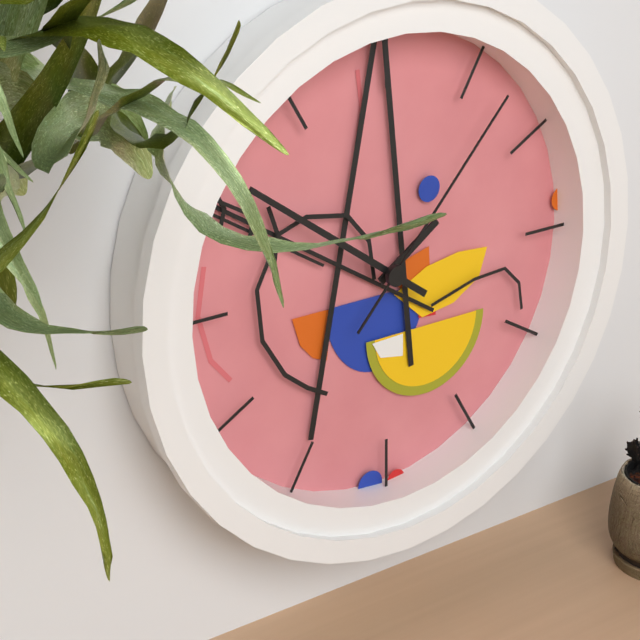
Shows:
1:51:07
